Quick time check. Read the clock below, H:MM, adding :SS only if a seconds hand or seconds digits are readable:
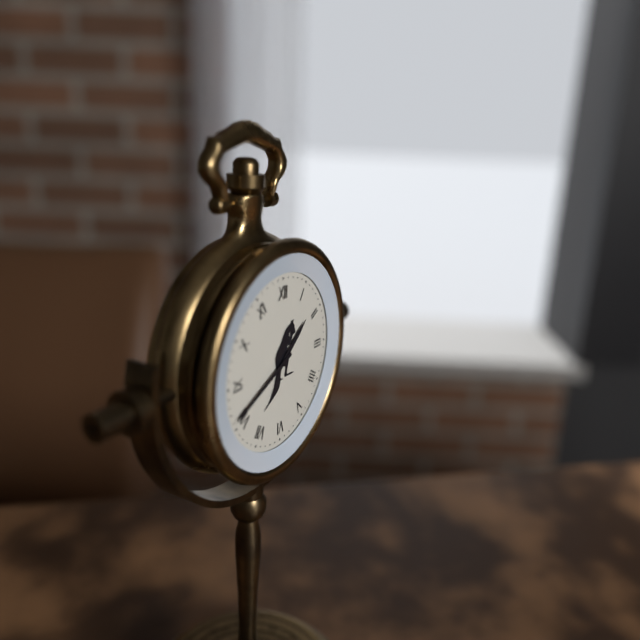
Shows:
1:41
